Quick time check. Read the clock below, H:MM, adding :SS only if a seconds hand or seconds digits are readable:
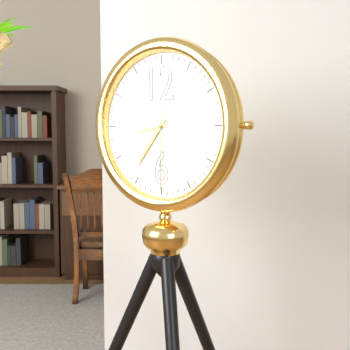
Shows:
8:36:30
